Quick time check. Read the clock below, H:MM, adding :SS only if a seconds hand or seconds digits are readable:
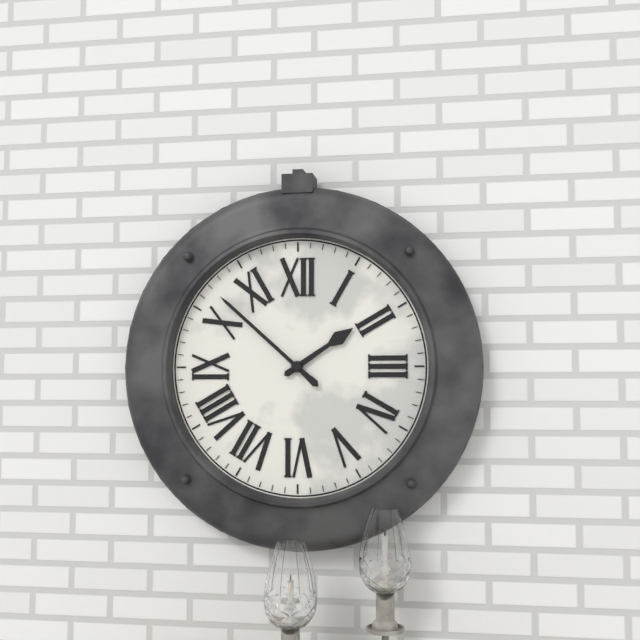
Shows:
1:52
